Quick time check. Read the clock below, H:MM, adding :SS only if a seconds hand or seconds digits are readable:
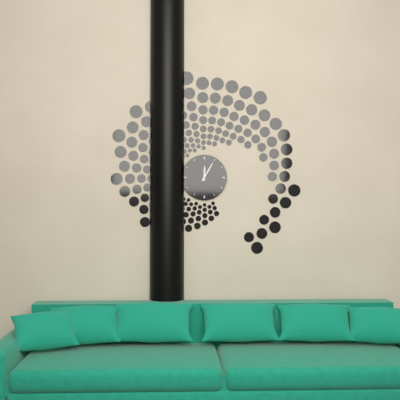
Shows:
12:05
